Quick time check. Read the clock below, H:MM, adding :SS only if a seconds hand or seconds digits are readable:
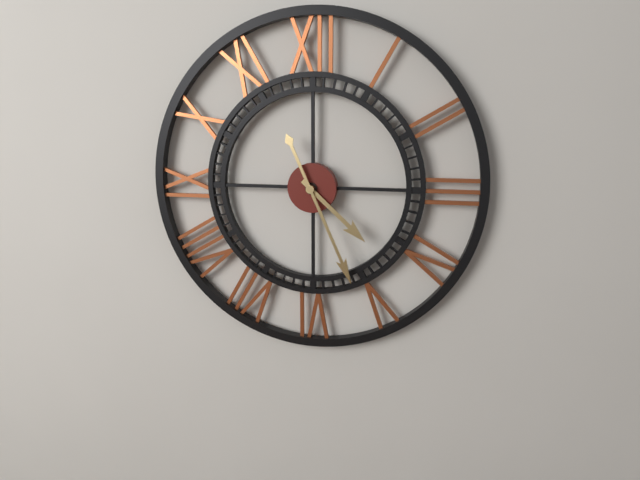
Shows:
4:26
